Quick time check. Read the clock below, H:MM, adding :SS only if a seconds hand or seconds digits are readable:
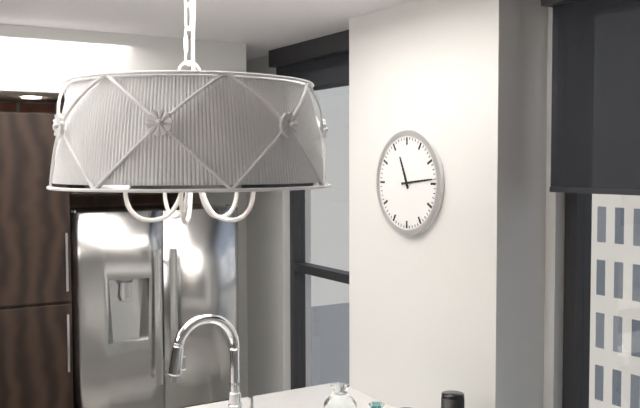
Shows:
11:14
